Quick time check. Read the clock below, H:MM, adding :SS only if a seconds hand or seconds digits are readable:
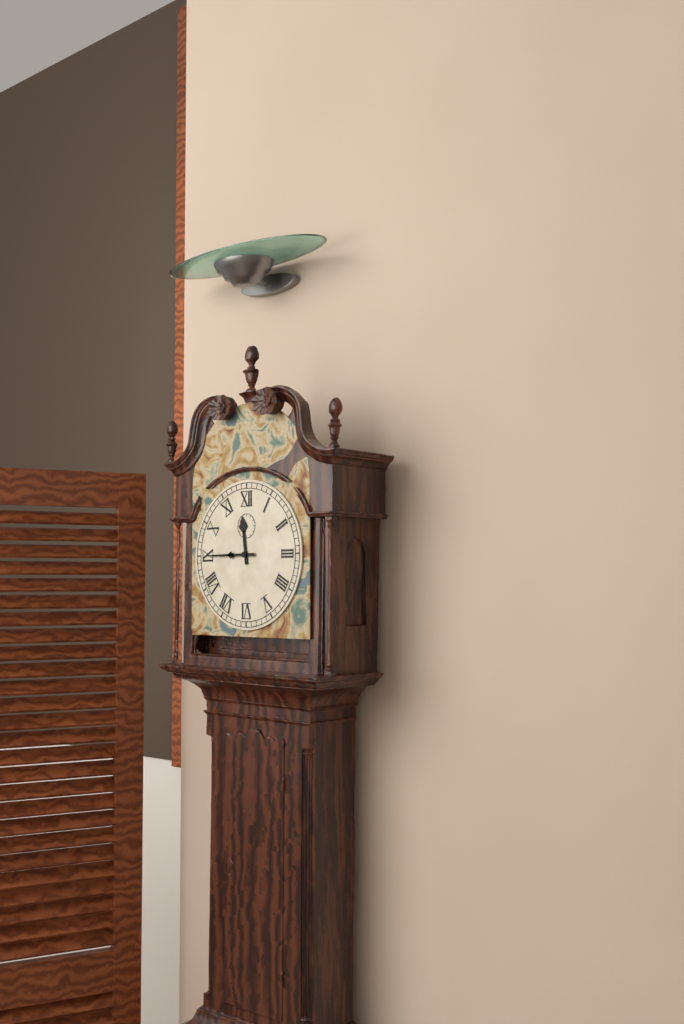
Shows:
11:45
